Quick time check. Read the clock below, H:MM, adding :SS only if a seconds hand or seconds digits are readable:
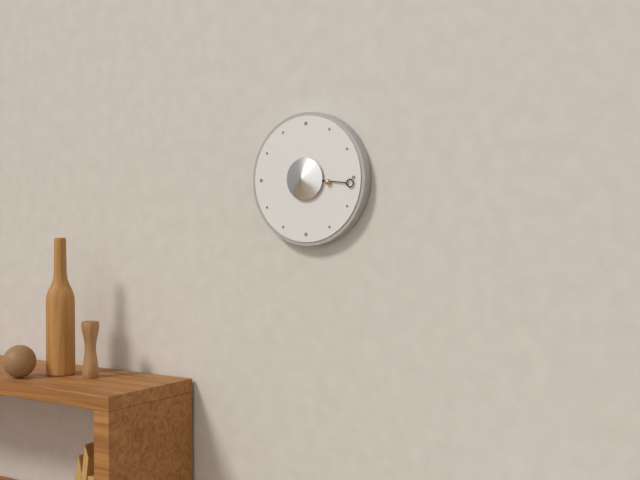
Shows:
3:16
